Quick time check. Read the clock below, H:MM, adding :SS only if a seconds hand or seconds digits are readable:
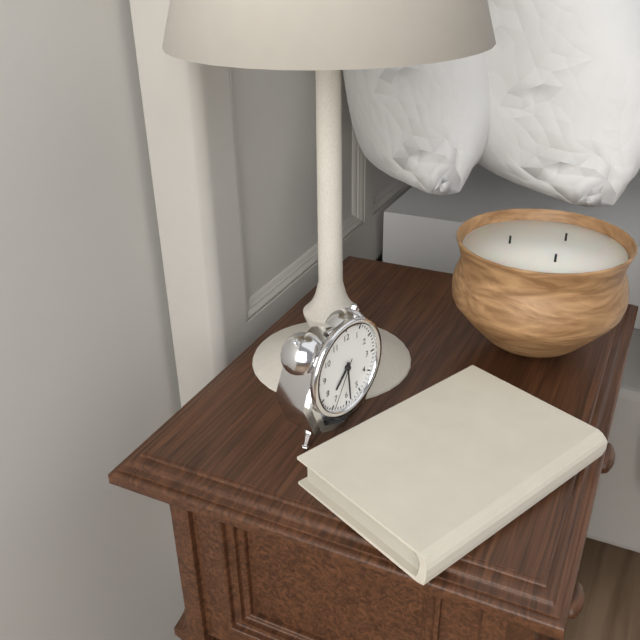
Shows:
7:29:35
